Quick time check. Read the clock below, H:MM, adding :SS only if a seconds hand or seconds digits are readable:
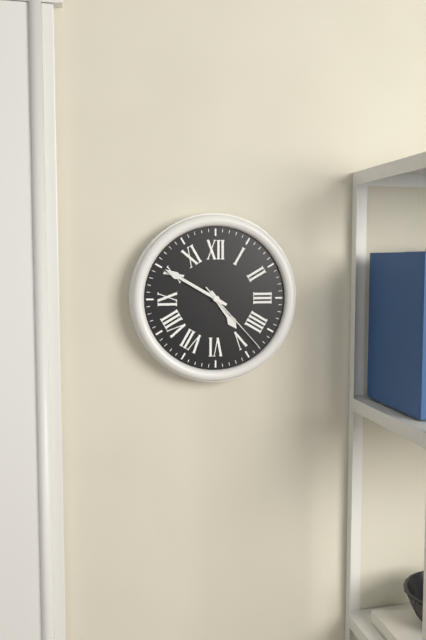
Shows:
4:50:23
